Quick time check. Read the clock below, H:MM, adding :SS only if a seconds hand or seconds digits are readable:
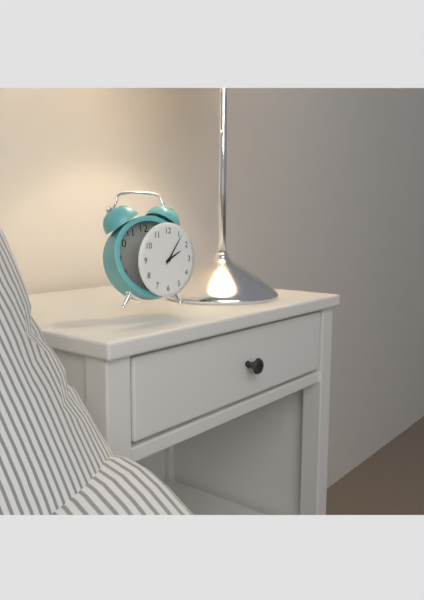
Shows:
2:06
